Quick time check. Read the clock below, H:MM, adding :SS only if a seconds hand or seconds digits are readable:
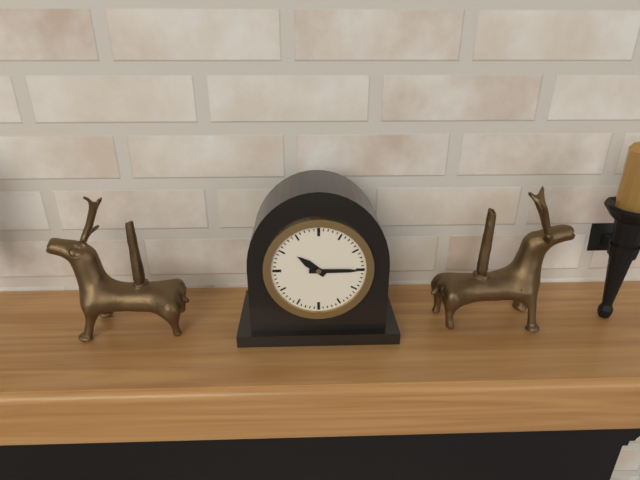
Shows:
10:15
